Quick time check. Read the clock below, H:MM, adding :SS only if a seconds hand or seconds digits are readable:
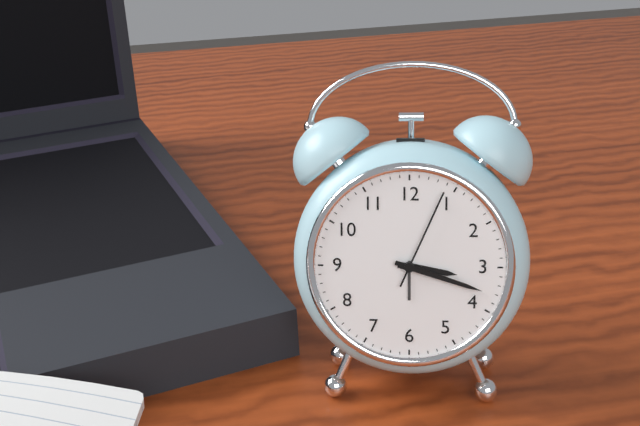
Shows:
3:18:04
